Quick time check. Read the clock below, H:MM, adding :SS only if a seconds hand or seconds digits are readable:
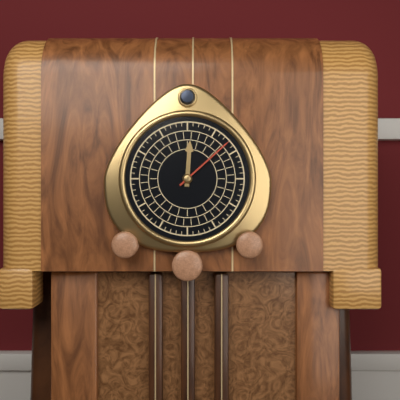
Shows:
12:08
